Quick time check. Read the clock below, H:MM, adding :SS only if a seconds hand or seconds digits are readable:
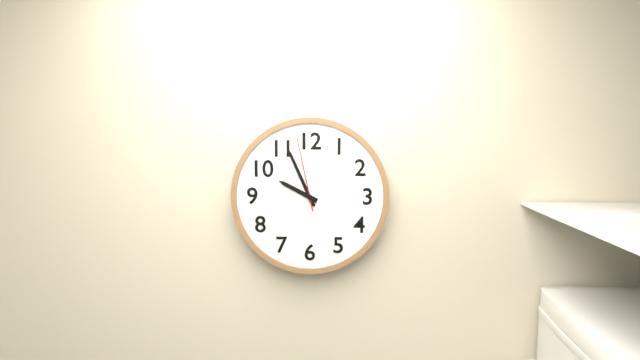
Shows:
9:56:58
